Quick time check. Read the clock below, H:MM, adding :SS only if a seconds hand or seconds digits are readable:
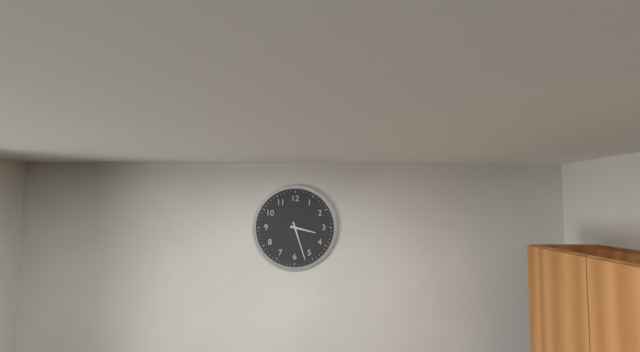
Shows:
3:27
